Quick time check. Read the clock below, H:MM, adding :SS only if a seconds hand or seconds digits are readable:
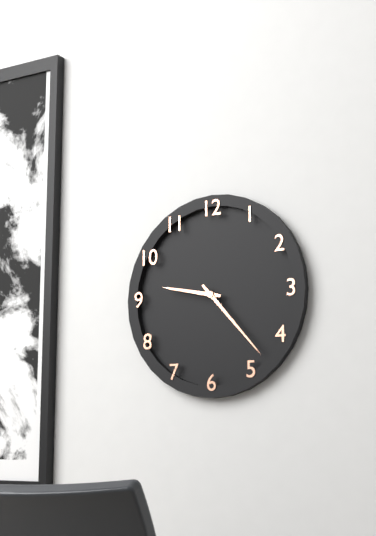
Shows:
9:23
